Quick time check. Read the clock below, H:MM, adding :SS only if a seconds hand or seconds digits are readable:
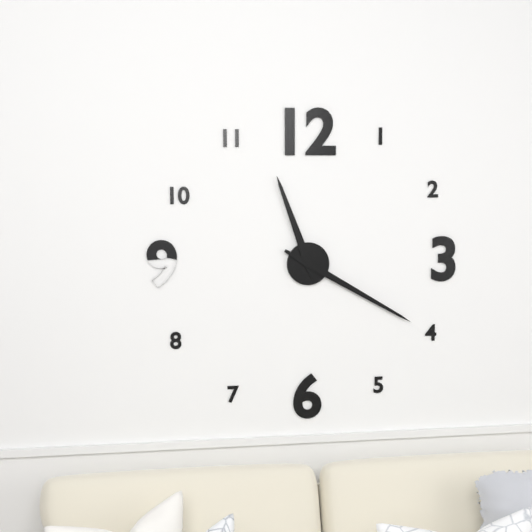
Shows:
11:20
